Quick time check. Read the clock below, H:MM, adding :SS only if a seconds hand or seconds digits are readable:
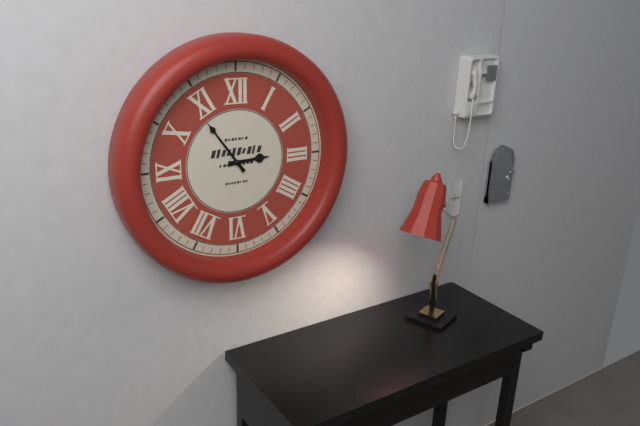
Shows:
2:54
